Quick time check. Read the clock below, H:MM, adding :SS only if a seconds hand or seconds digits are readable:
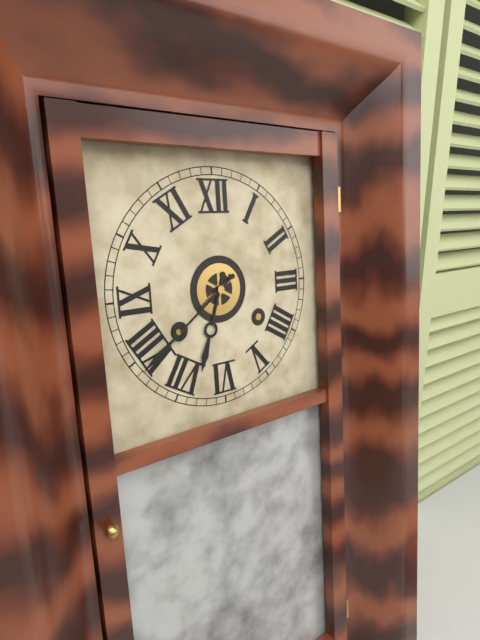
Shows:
6:39
